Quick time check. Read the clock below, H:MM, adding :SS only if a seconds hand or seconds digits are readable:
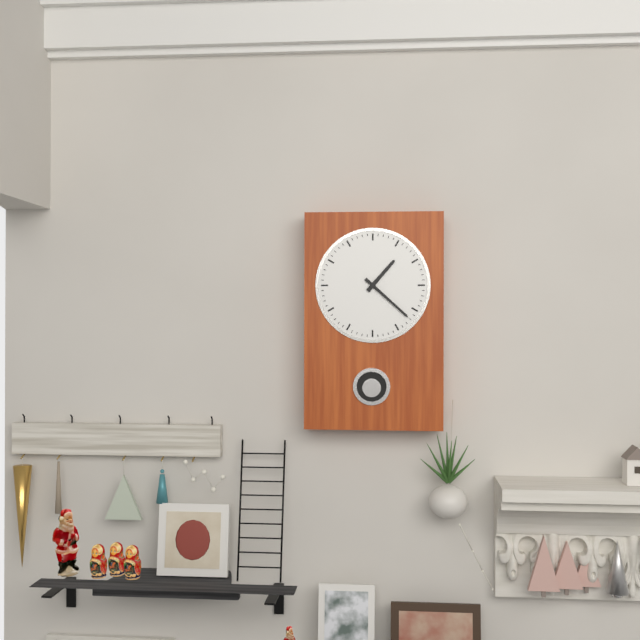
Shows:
1:22
